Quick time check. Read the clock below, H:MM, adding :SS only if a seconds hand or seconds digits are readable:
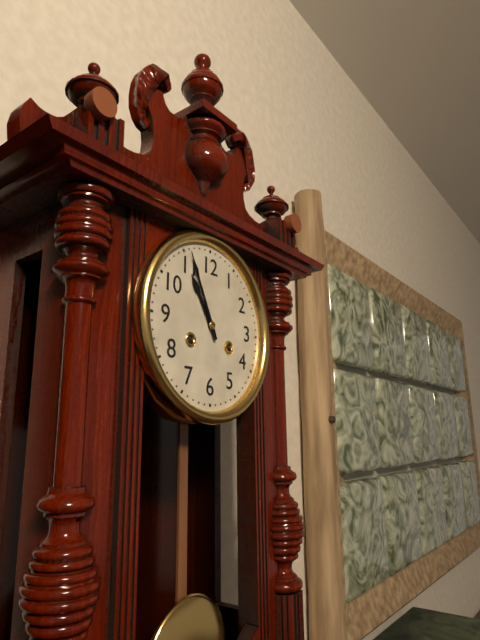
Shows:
10:56
